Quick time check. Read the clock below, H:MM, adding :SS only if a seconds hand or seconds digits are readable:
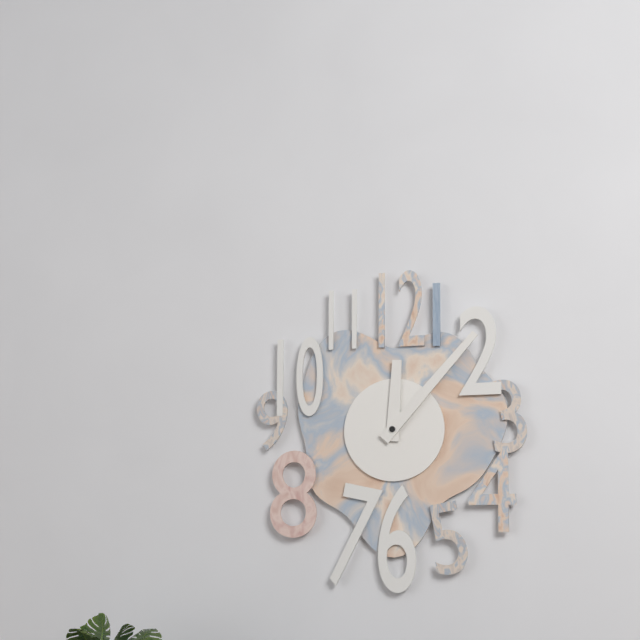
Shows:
12:07
